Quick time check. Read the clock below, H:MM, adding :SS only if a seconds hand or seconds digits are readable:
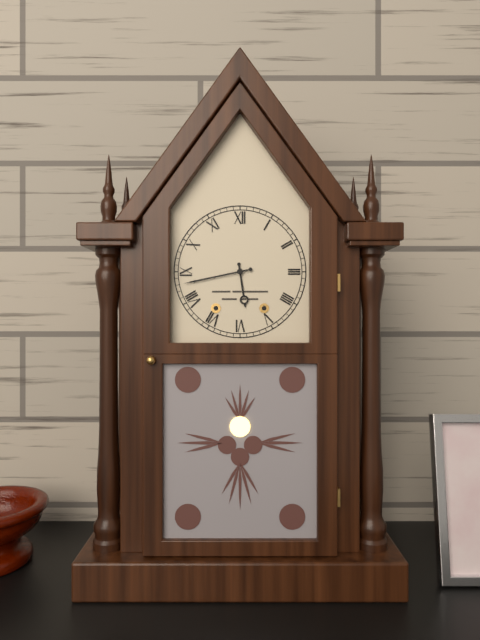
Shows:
5:43
